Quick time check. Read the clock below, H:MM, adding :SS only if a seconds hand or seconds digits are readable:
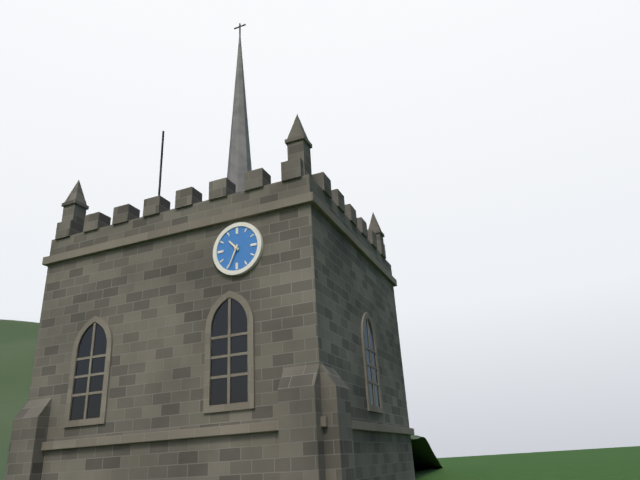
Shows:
10:34
